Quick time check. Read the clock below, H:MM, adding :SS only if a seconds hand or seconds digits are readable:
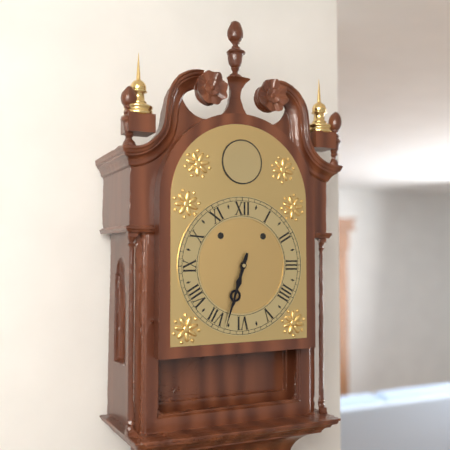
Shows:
6:33
